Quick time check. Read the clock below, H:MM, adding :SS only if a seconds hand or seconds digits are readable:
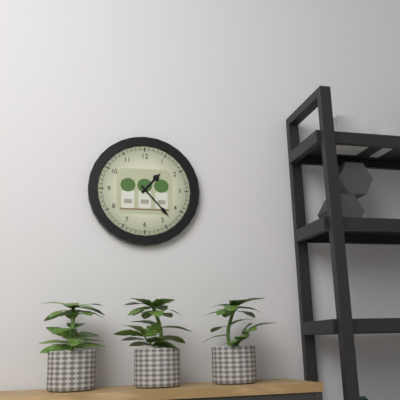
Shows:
1:23
